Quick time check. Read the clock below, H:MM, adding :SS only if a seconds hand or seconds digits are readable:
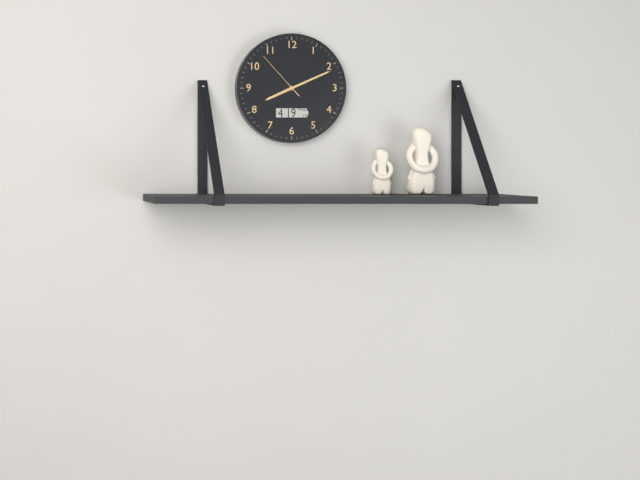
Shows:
8:11:53
